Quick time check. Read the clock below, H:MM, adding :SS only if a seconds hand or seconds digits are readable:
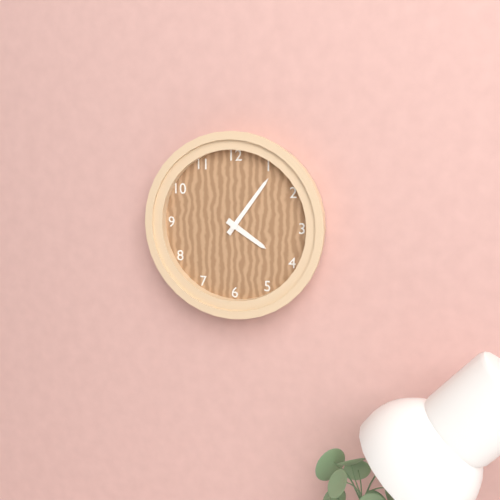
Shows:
4:06
